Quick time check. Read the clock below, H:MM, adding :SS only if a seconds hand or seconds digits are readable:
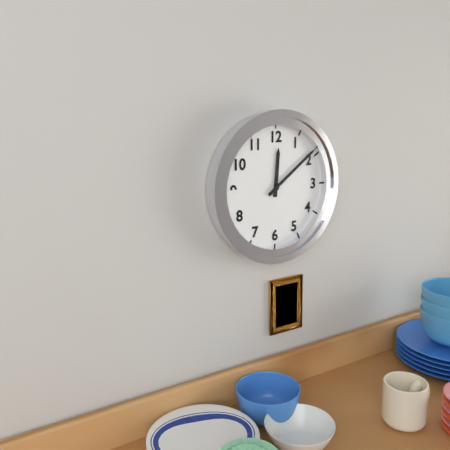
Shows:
12:09
